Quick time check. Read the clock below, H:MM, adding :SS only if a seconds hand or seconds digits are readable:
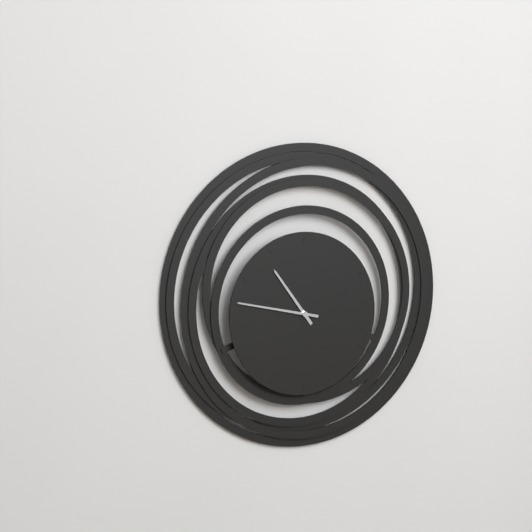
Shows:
10:47
